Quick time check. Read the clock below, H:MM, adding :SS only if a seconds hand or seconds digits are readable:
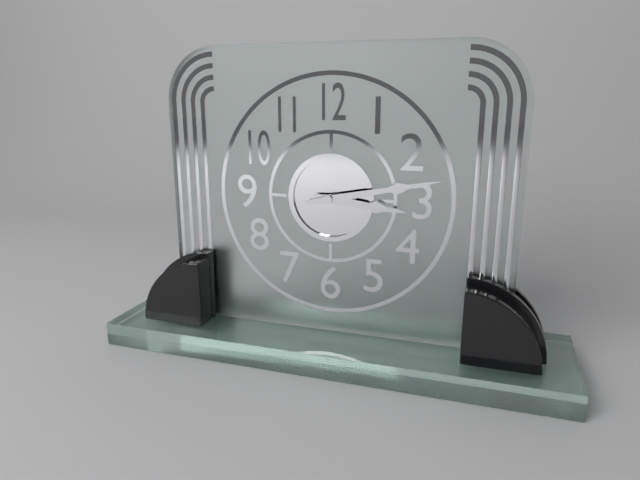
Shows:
3:13
